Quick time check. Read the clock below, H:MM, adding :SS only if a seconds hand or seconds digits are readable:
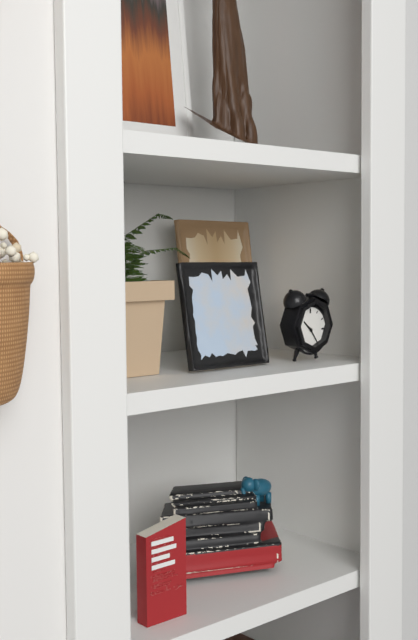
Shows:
10:24
